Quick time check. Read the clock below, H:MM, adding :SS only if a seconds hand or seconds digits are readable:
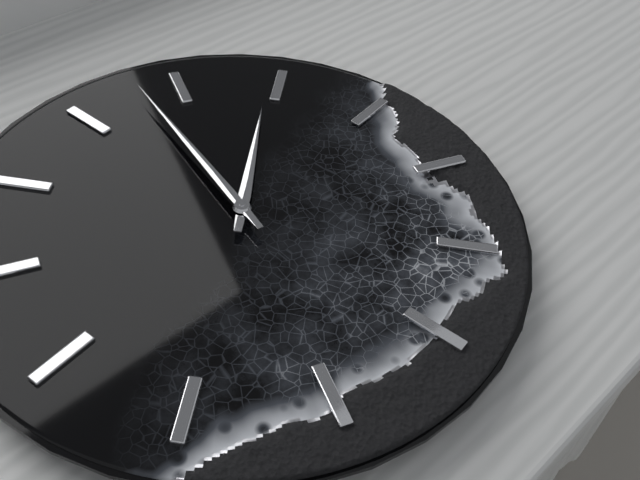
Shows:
11:53
